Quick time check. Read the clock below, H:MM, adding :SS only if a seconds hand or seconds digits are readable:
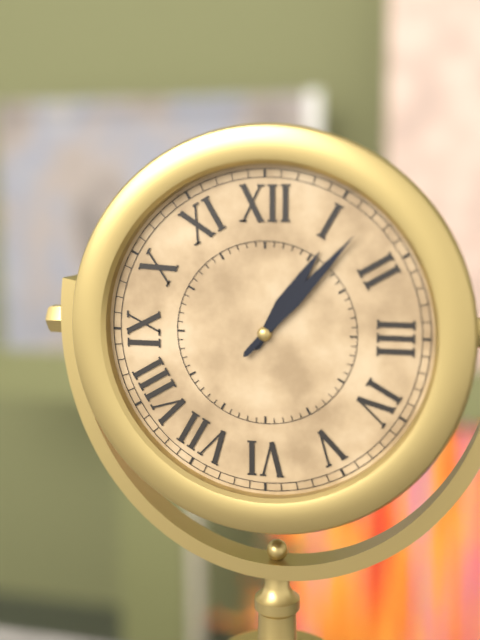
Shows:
1:07
